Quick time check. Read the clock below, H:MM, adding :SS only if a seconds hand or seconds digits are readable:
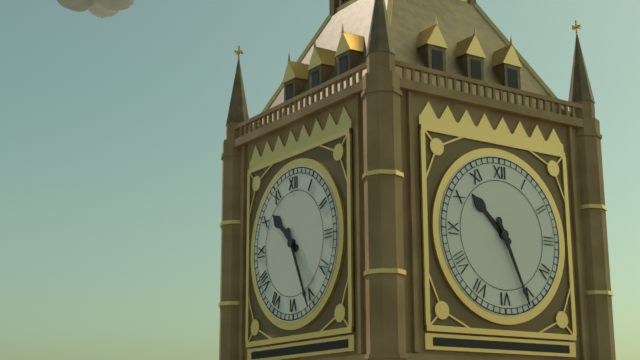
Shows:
10:26
